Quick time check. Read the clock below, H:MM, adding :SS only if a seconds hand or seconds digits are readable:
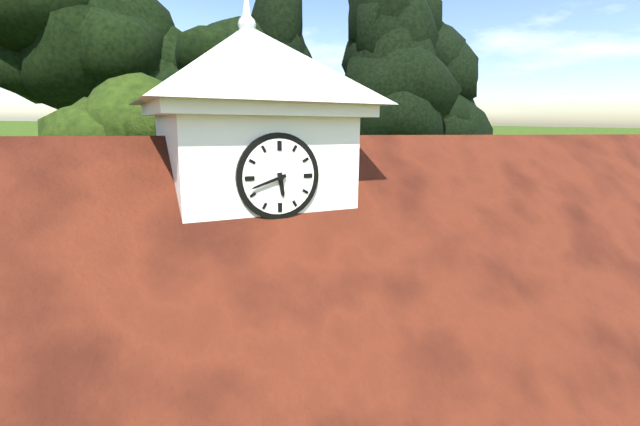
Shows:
5:42
